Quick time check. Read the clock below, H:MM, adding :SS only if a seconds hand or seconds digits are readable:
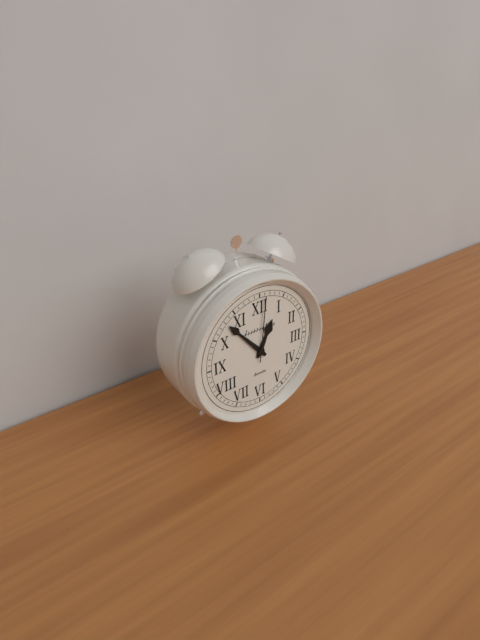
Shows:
12:53:01
